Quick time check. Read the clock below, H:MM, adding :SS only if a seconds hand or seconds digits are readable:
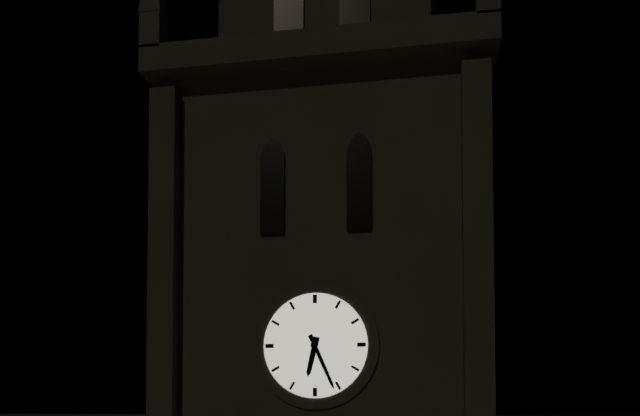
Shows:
6:26
